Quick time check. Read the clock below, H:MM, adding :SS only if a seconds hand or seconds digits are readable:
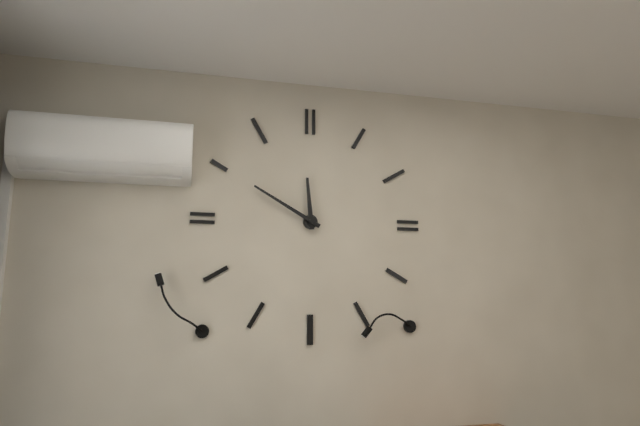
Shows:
11:50
